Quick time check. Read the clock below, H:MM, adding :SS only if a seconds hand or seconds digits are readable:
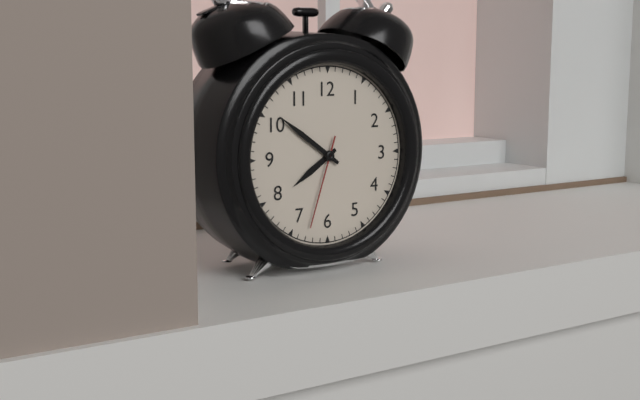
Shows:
7:51:33
